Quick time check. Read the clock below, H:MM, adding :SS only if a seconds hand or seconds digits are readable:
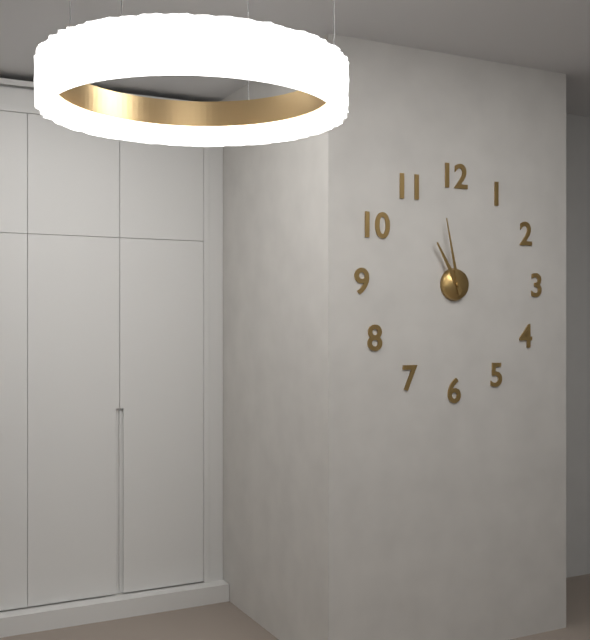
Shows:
10:58
